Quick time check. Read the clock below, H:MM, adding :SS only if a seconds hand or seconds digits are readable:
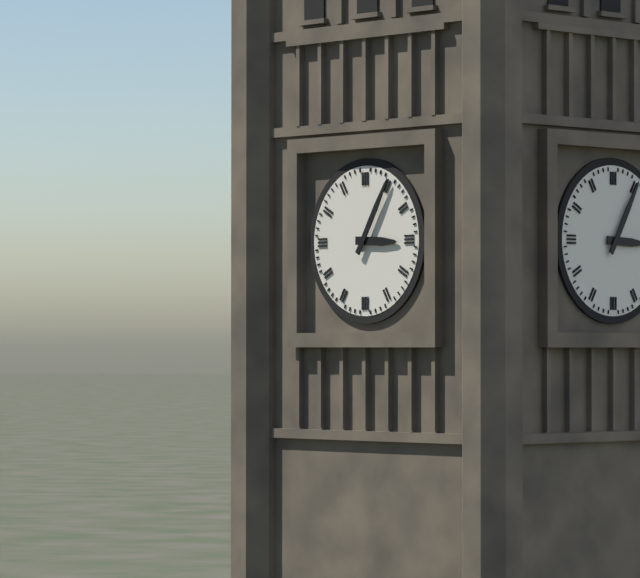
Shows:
3:05
